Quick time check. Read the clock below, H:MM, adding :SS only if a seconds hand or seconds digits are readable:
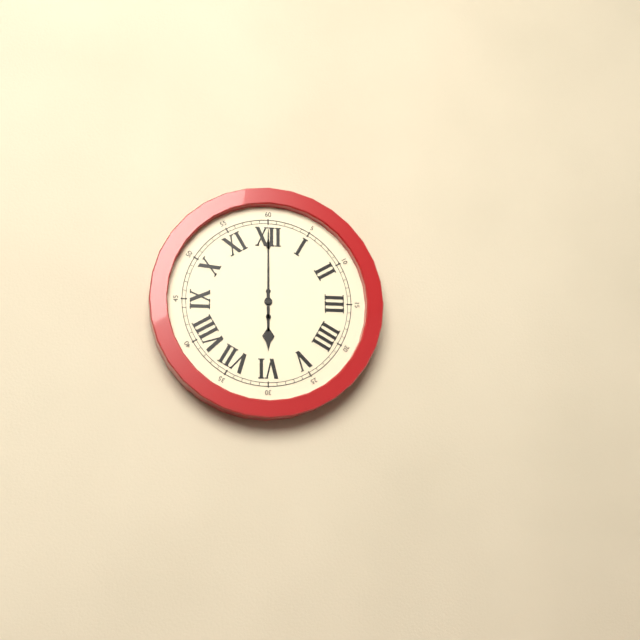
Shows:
6:00
